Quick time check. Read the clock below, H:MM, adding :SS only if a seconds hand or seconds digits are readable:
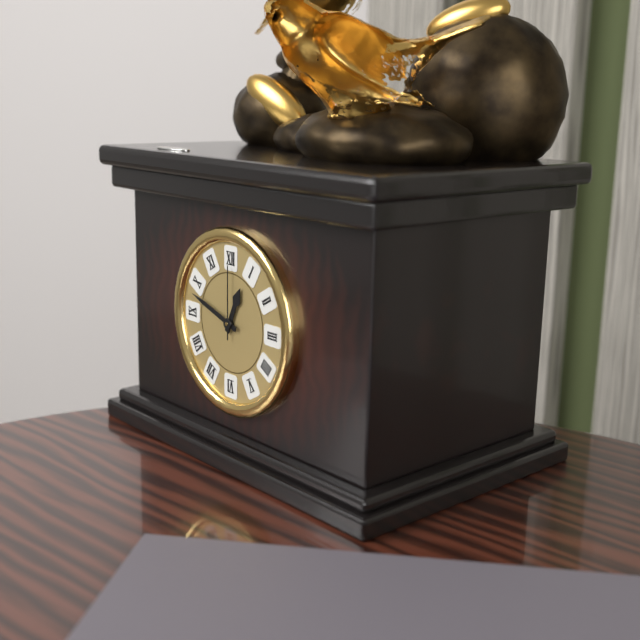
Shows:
12:48:00
